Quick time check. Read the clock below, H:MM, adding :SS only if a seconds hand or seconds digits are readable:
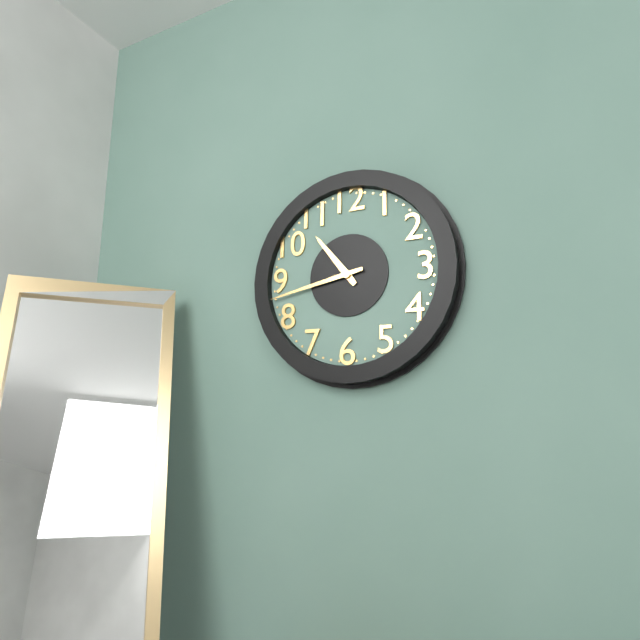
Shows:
10:43
